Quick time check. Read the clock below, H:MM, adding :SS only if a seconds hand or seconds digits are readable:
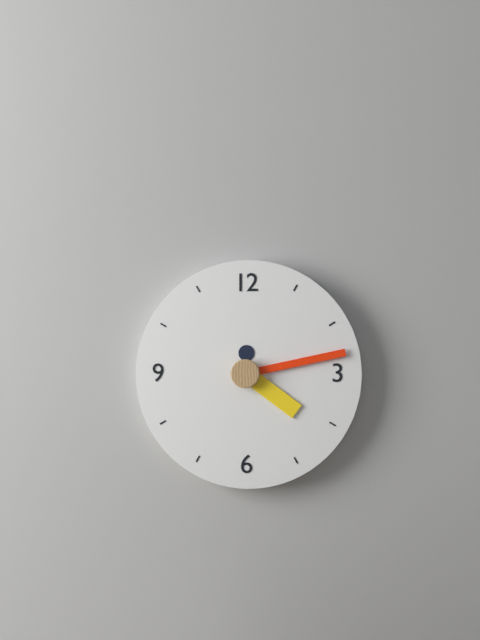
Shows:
4:13
